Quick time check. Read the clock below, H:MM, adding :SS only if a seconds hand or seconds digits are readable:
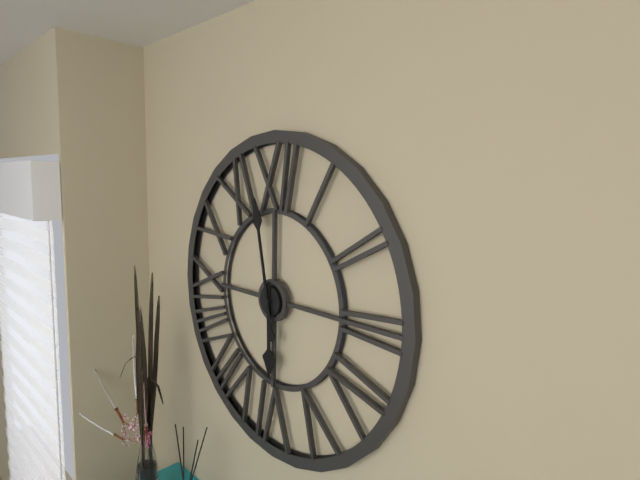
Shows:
5:58
